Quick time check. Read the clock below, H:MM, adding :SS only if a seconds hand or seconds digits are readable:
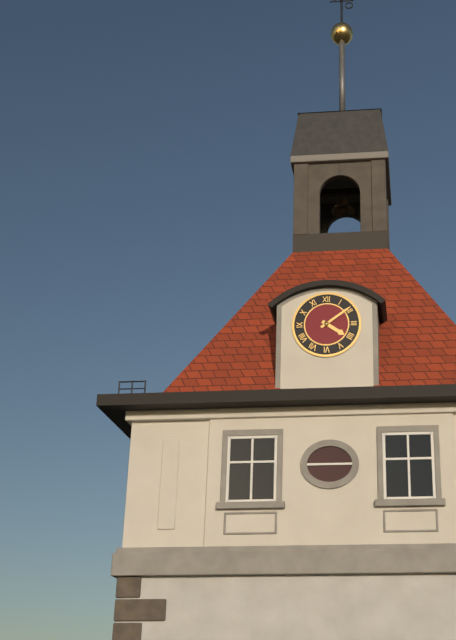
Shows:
4:09
